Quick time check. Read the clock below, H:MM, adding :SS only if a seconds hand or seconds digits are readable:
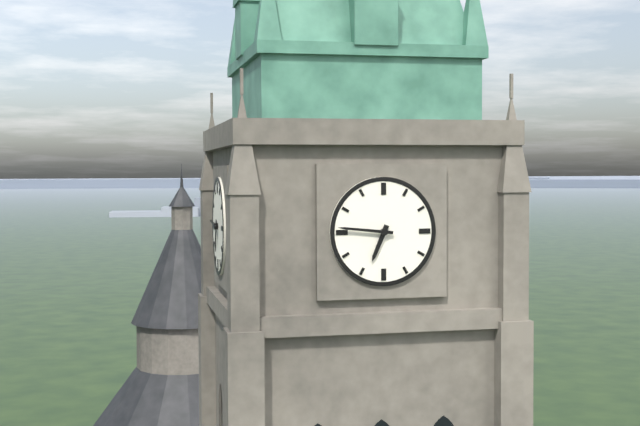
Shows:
6:46
